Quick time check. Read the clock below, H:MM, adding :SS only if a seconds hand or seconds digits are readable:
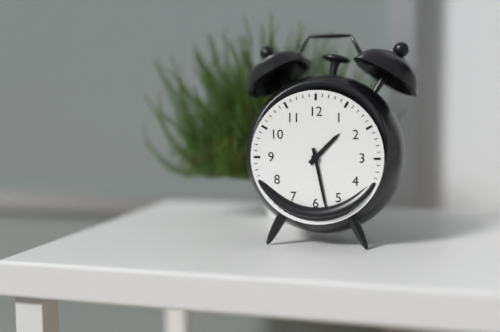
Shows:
1:28
